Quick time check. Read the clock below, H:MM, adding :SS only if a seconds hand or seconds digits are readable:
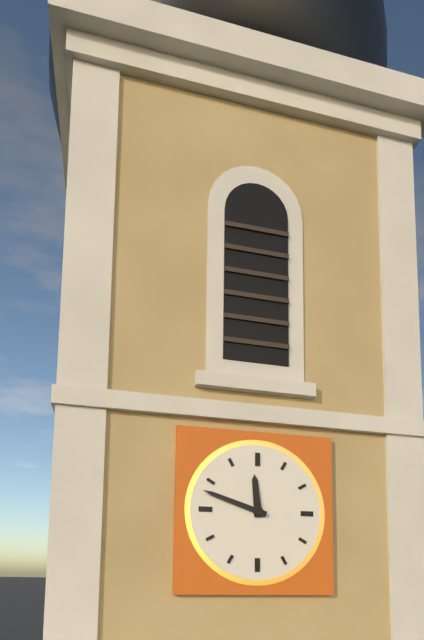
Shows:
11:48
